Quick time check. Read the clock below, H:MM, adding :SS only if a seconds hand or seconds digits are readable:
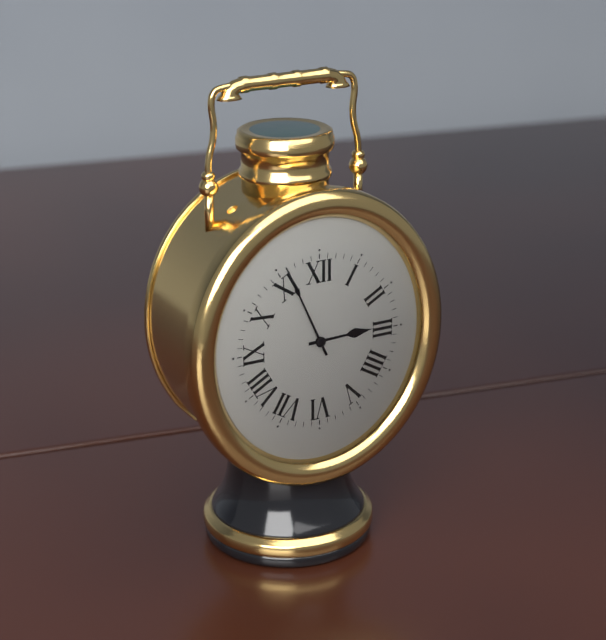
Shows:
2:56
